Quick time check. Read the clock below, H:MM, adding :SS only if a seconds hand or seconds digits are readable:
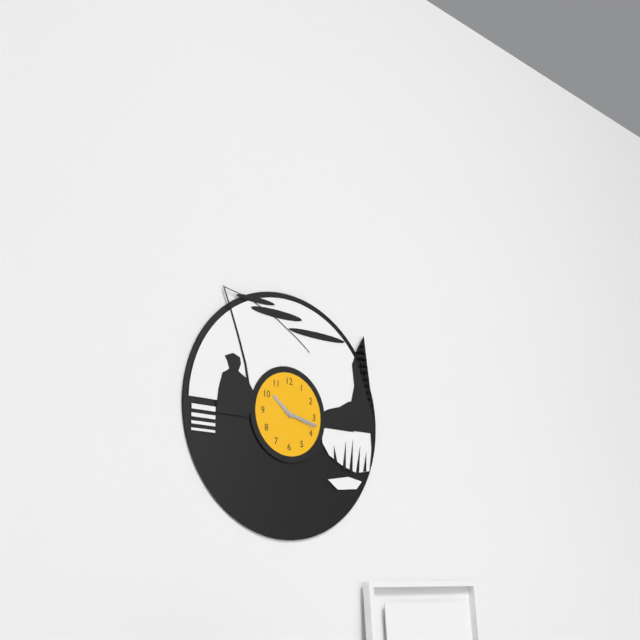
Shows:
10:17
